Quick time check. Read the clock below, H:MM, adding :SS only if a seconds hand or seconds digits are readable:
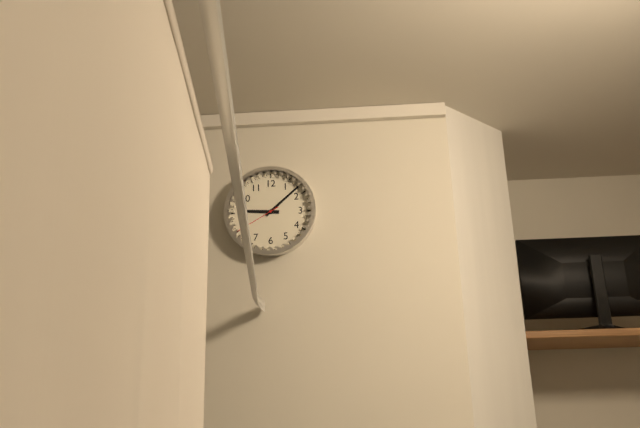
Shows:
9:08
